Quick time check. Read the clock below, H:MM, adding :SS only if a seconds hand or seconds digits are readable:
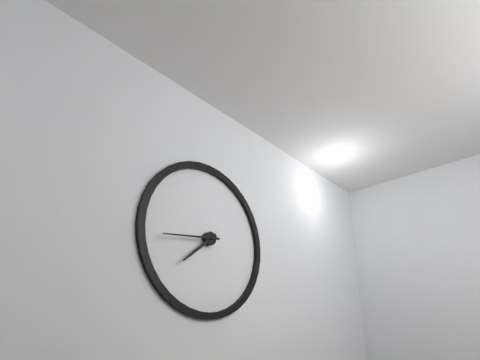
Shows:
7:44
